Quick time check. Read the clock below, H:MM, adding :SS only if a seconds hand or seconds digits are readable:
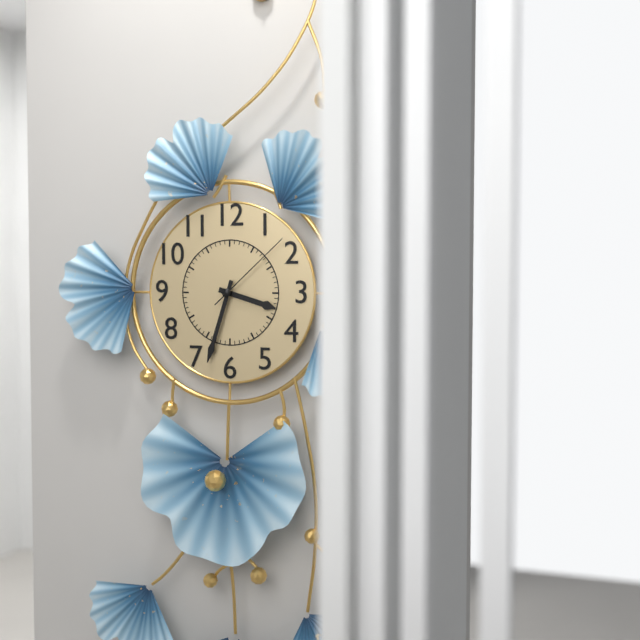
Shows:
3:33:08
